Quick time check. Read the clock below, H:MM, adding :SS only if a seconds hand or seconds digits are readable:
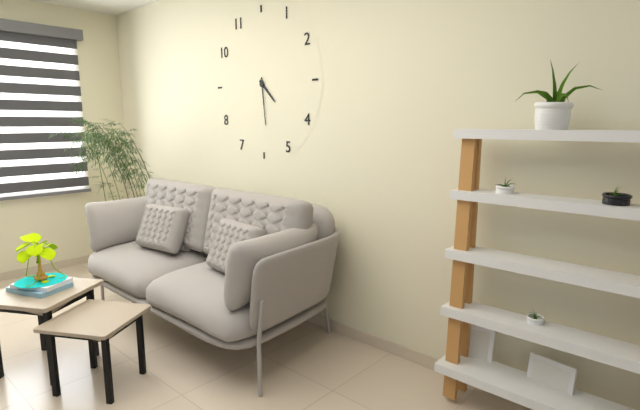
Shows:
4:29
